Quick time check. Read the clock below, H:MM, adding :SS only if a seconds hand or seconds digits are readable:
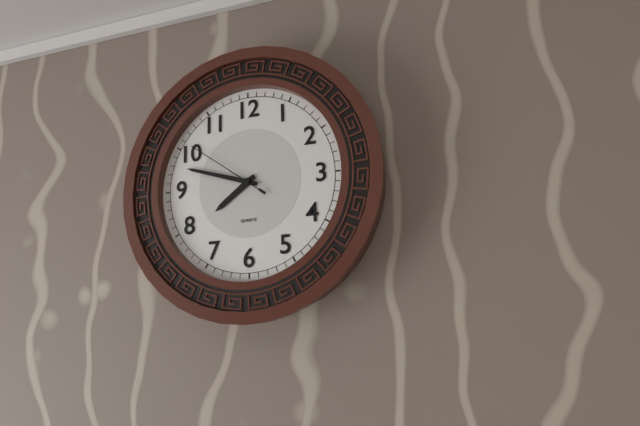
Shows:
7:48:51
